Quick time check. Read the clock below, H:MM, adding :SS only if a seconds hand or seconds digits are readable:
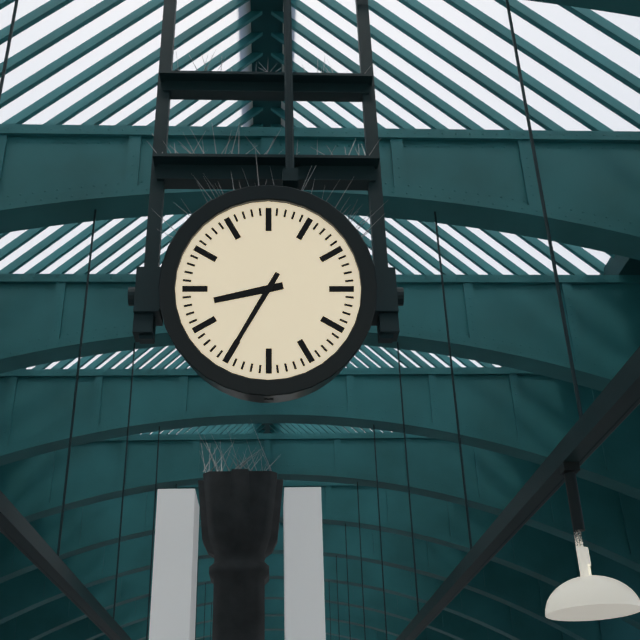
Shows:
8:35
